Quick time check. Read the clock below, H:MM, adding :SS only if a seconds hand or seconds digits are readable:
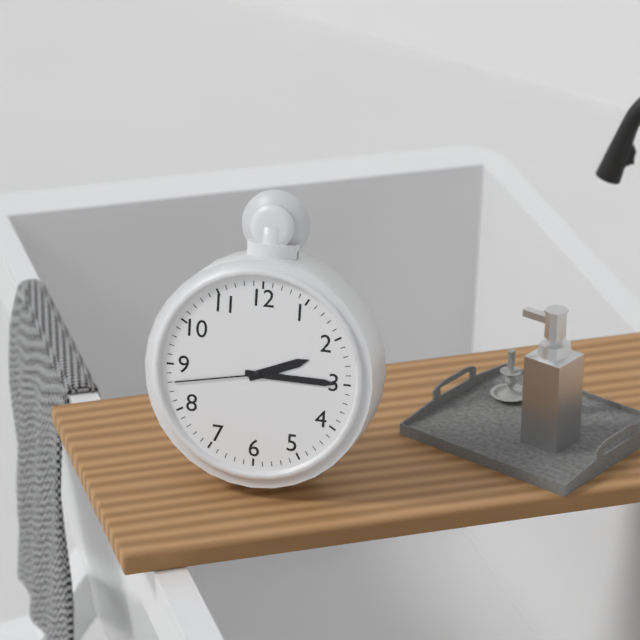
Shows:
2:15:43
